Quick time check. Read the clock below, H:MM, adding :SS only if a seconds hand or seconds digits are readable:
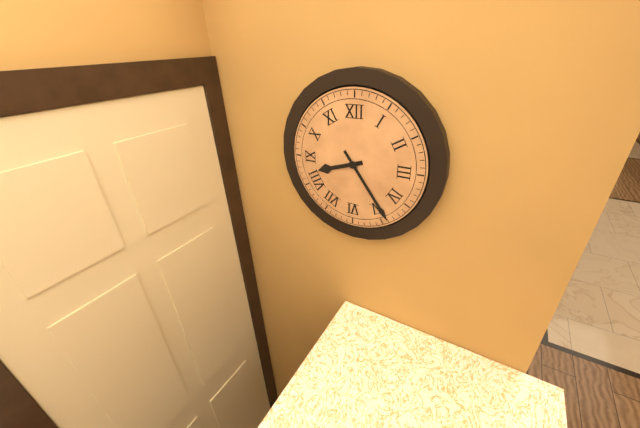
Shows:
8:24
